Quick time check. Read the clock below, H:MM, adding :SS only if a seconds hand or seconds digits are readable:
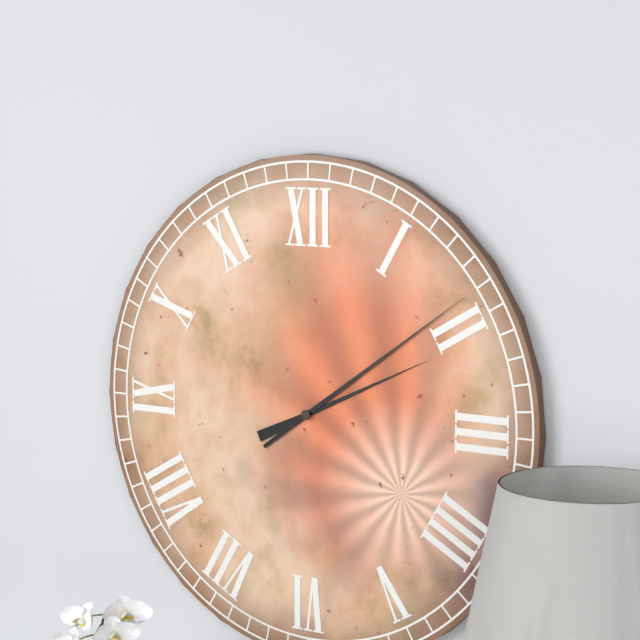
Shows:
2:09
